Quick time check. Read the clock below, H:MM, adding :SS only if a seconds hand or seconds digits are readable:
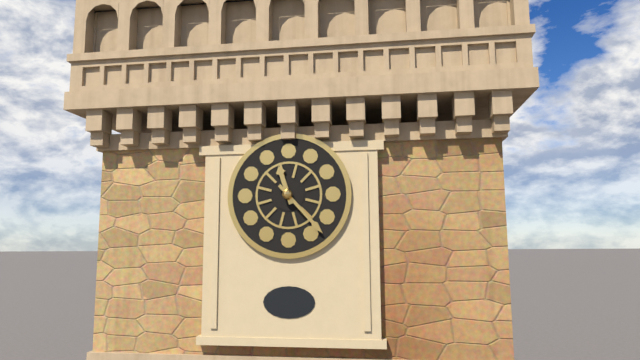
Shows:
11:23
